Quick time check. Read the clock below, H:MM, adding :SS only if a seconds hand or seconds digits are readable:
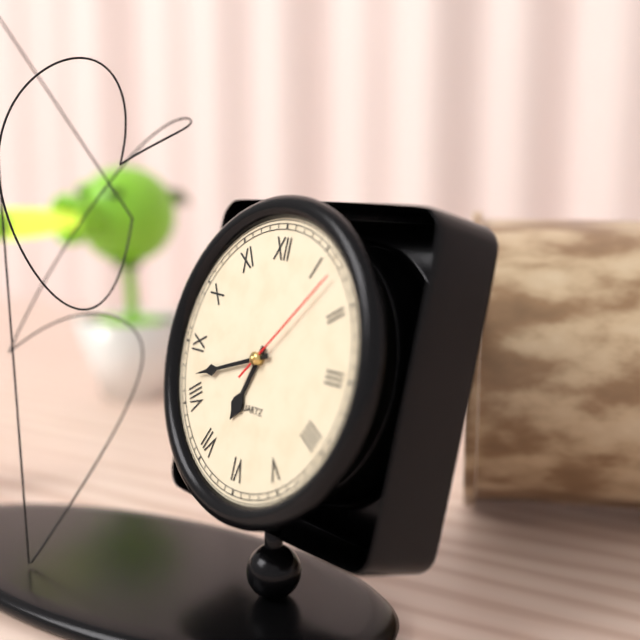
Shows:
6:42:07
